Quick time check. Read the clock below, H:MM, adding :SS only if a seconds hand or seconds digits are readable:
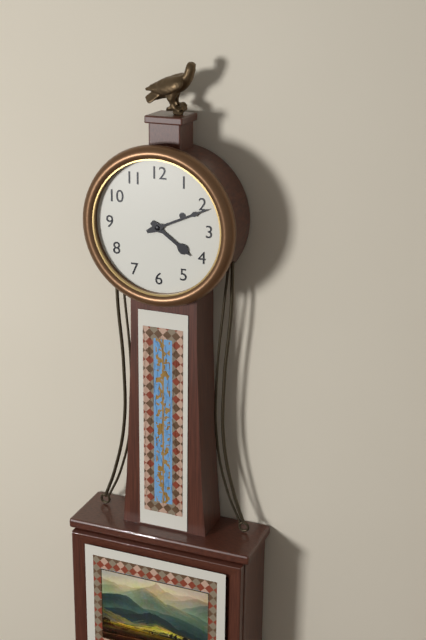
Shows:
4:11
